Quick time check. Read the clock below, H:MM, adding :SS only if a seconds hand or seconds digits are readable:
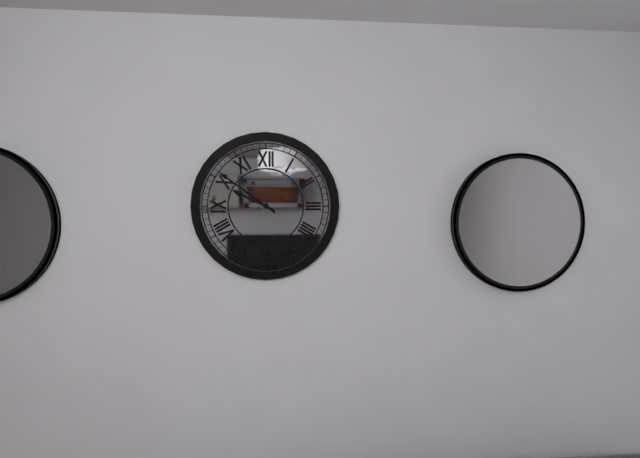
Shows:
9:51
